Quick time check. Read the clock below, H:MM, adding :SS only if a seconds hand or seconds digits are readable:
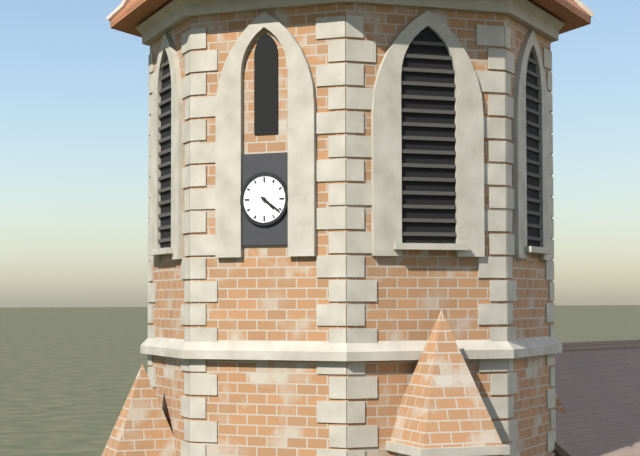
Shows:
4:21
